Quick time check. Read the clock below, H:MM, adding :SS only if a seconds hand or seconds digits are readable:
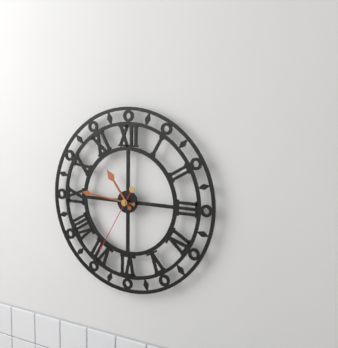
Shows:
10:46:35
